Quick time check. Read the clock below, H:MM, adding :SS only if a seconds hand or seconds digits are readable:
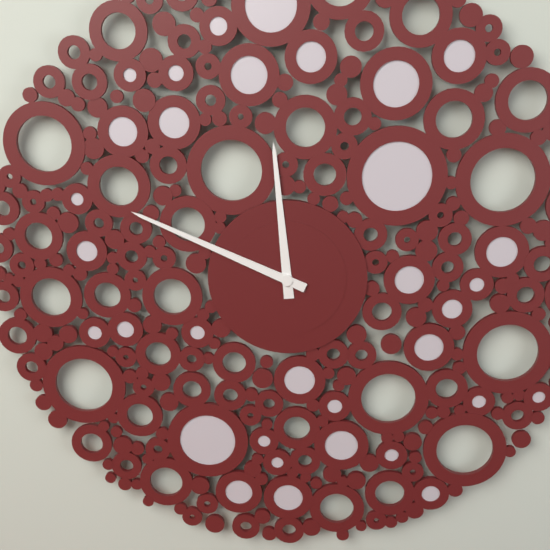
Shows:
11:49
